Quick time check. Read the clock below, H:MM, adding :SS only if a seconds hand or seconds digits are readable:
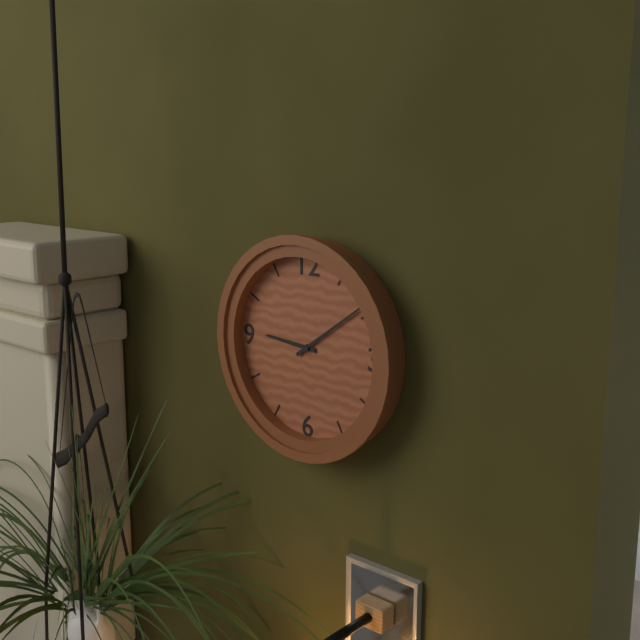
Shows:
9:09
